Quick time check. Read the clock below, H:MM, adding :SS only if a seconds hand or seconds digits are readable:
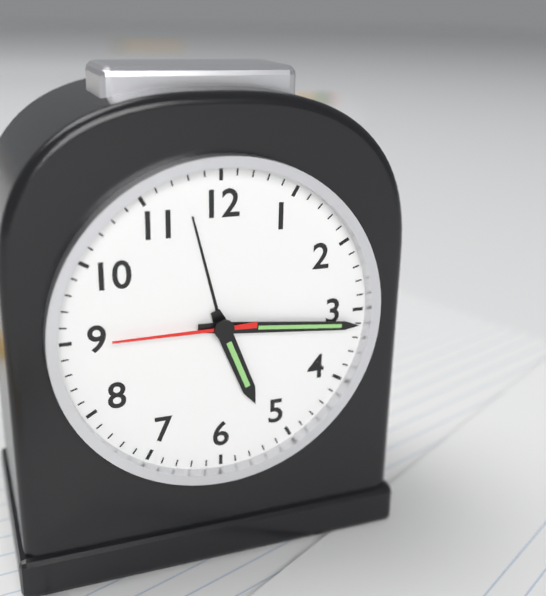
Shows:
5:16:45
